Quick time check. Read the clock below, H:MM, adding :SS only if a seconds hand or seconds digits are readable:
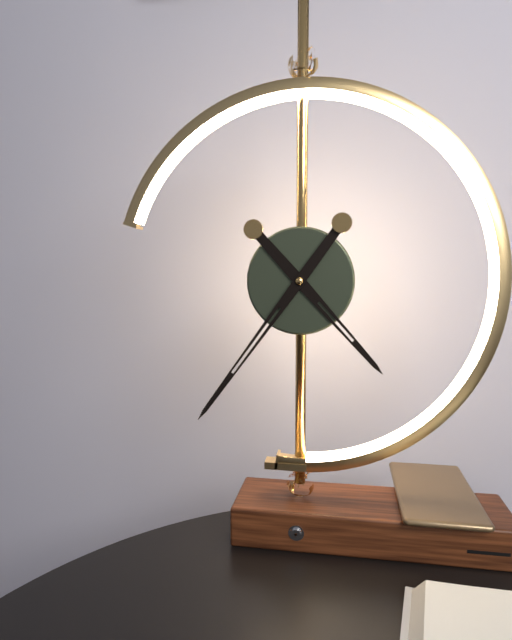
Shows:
4:36
